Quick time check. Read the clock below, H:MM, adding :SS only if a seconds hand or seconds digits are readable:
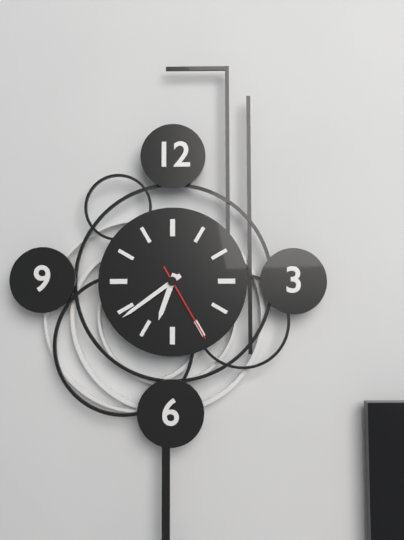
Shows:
6:39:25
